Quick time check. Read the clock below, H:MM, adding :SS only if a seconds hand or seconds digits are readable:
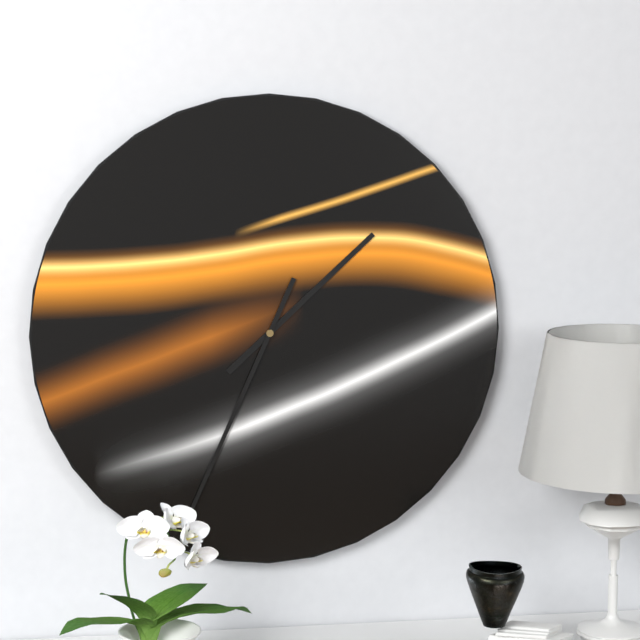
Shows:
1:34
